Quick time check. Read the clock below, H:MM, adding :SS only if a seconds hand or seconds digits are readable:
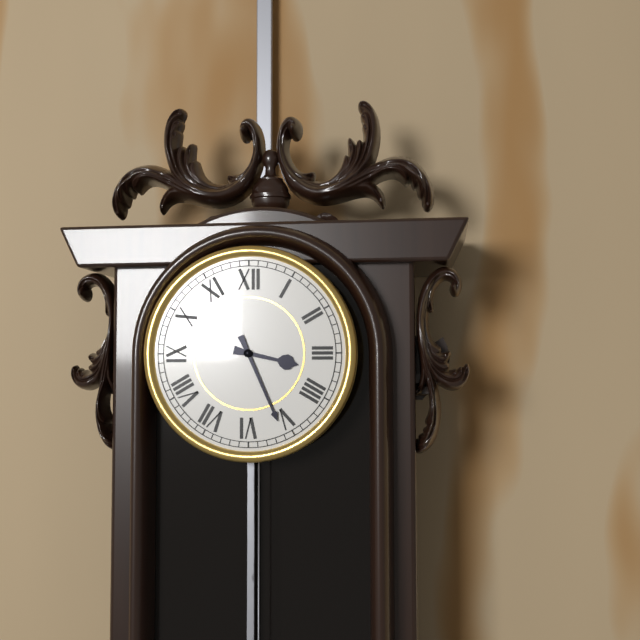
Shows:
3:26
